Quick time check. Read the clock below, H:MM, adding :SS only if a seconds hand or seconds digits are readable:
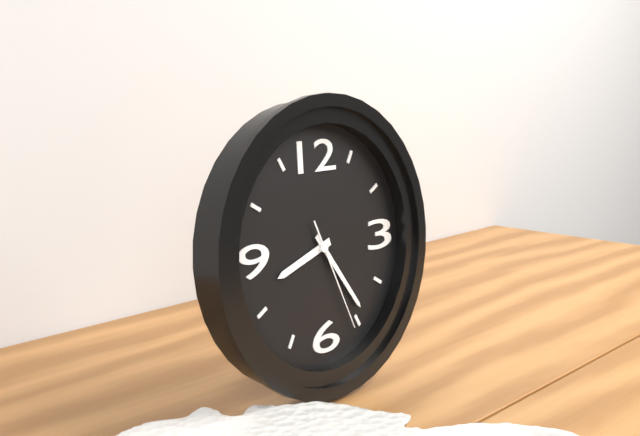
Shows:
8:24:26
